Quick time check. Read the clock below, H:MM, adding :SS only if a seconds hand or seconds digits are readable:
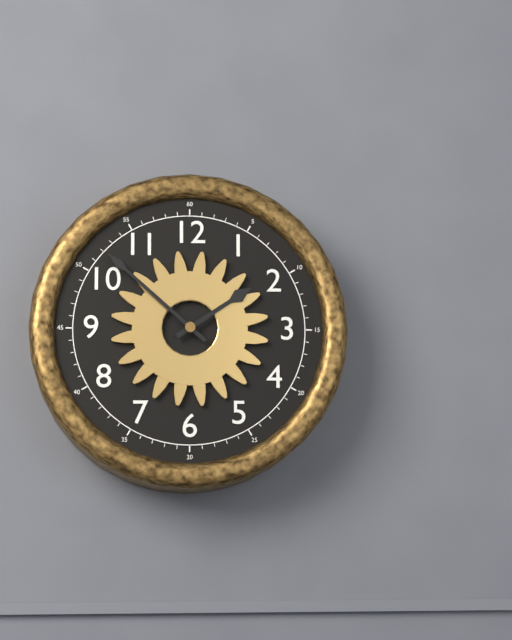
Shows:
1:52
